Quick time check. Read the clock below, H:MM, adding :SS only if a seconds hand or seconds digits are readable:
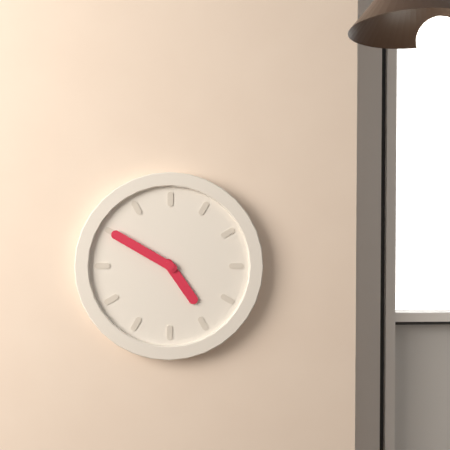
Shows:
4:50
